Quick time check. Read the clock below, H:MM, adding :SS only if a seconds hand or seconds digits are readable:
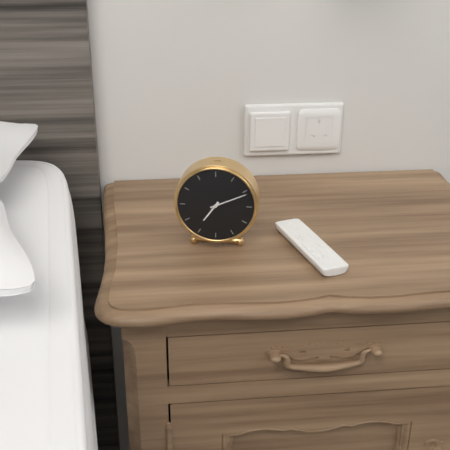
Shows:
7:11
